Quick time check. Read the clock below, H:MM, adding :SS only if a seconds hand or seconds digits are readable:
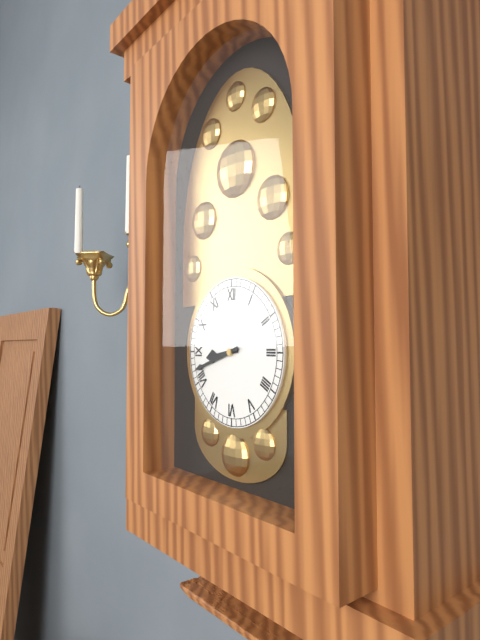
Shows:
8:42
